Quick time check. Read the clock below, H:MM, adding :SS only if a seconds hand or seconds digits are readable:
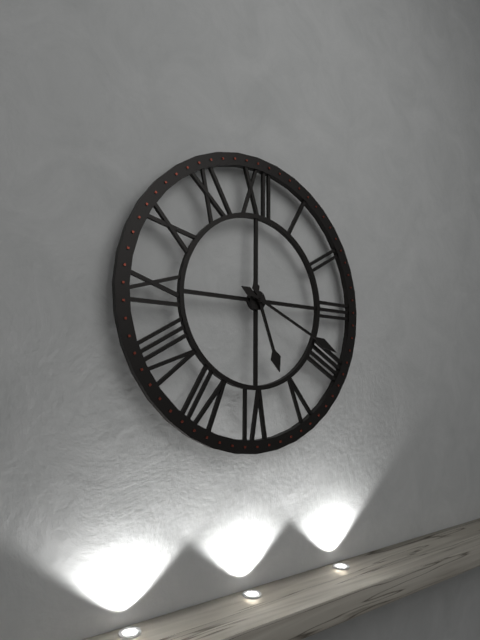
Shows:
5:19
